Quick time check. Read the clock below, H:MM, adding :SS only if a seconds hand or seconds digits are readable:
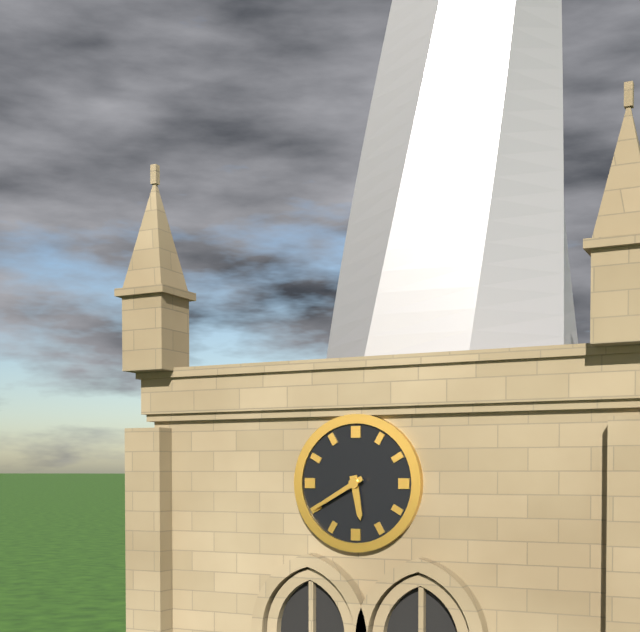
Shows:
5:40
